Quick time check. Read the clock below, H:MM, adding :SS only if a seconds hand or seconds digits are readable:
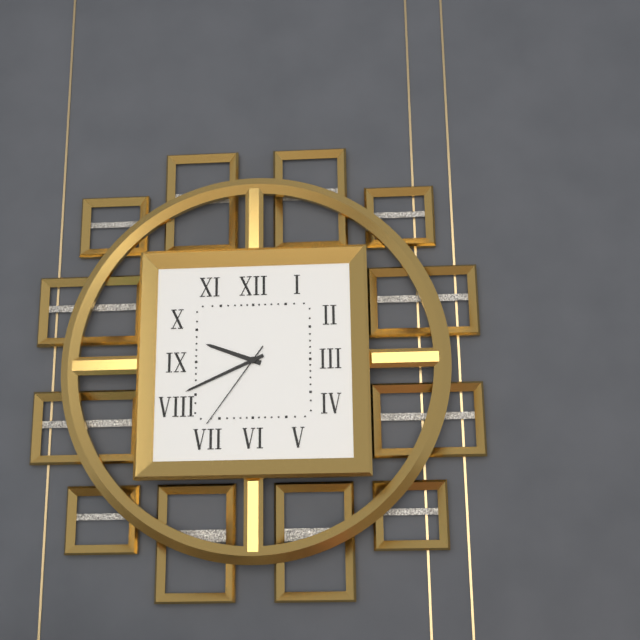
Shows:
9:41:36
